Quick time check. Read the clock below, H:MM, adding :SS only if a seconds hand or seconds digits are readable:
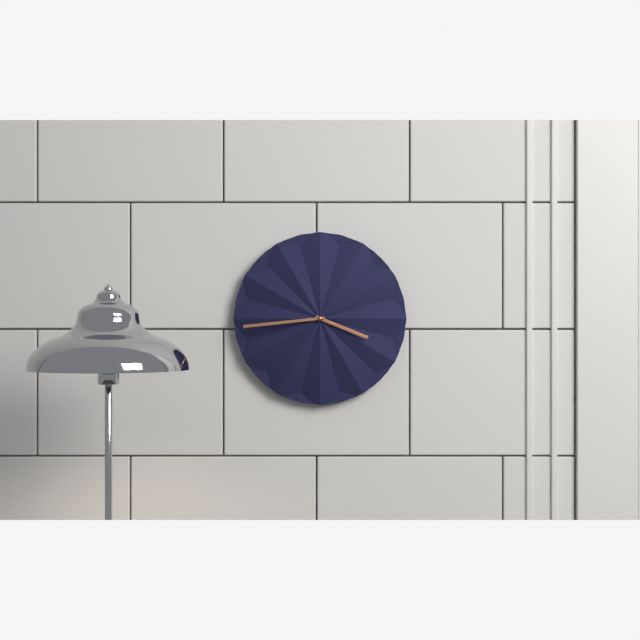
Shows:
3:44
